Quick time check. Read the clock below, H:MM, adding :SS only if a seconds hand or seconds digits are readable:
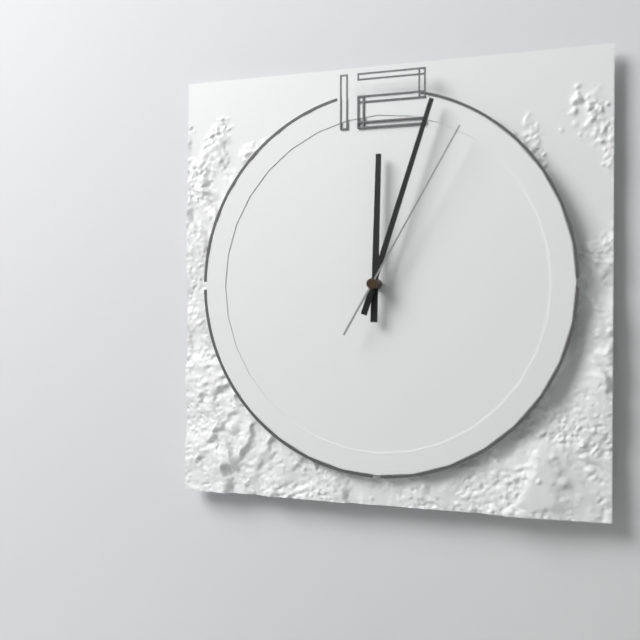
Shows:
12:03:05
